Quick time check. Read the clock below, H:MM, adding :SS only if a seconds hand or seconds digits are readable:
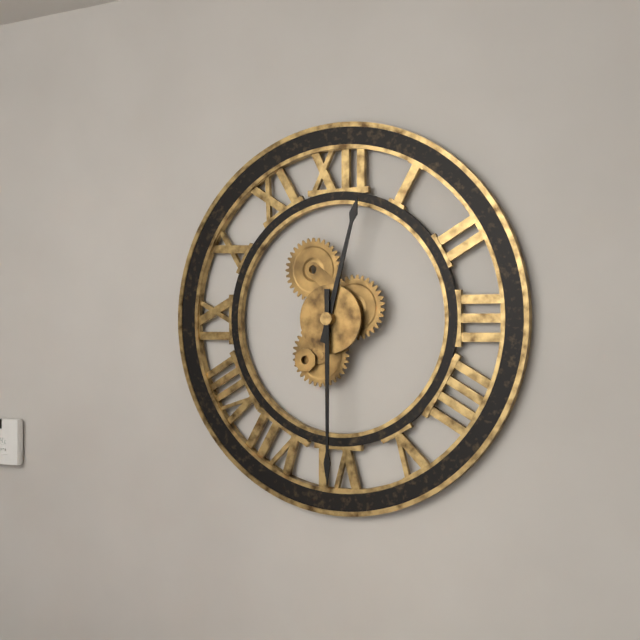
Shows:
12:30
